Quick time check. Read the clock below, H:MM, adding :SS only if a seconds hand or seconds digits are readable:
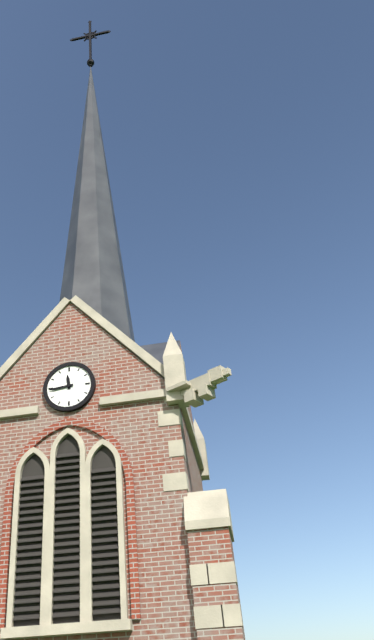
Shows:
11:44
